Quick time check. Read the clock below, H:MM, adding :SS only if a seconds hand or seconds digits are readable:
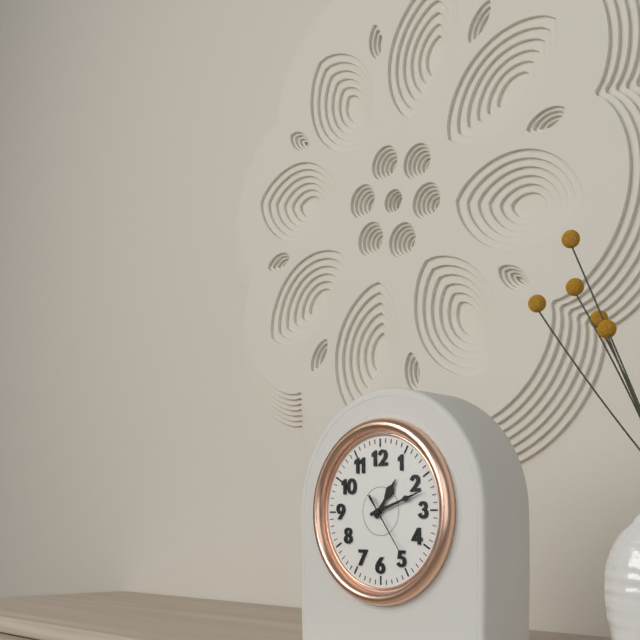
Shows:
1:12:24
